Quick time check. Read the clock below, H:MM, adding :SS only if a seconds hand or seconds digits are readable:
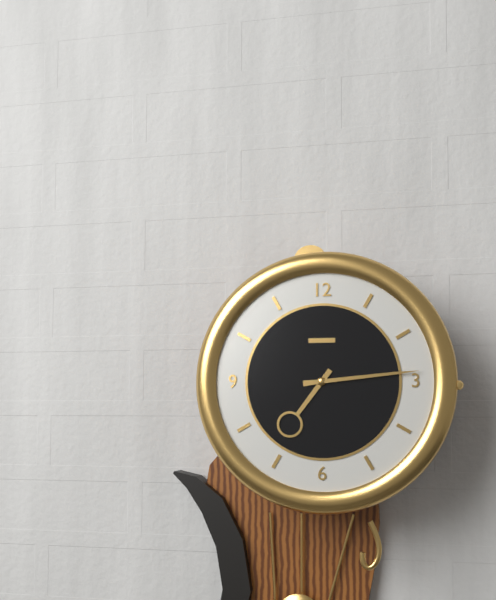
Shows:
7:14
